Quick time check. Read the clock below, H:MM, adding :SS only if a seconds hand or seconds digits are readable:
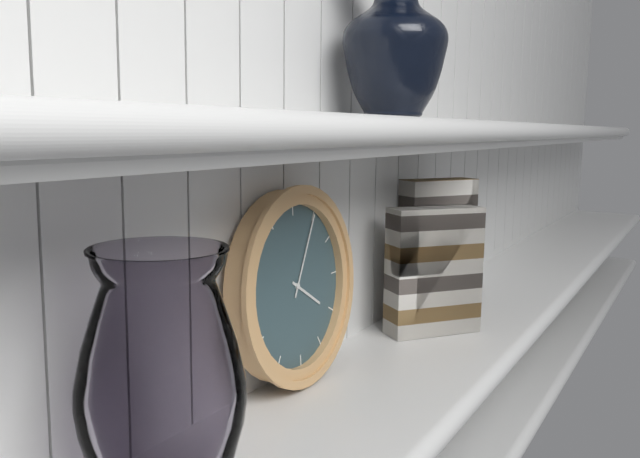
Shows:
4:05
